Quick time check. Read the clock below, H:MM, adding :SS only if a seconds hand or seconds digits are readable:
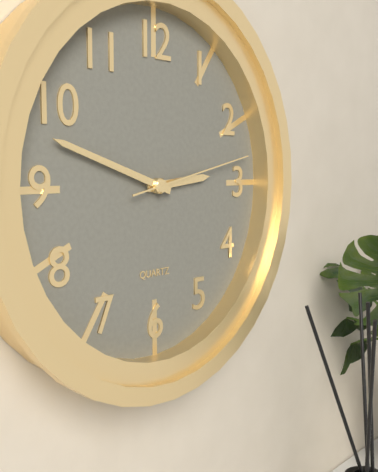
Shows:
2:48:13
